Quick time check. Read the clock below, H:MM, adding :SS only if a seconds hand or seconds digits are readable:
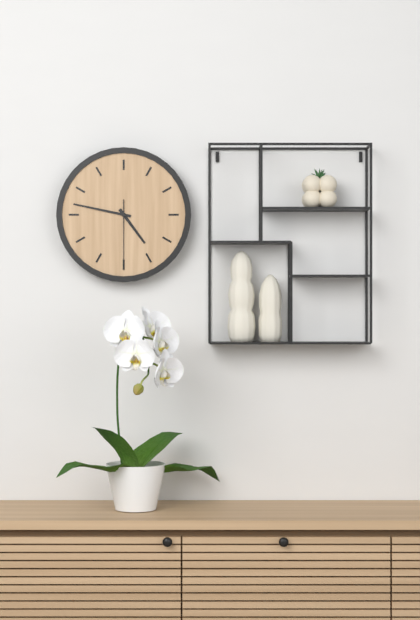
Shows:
4:47:30
